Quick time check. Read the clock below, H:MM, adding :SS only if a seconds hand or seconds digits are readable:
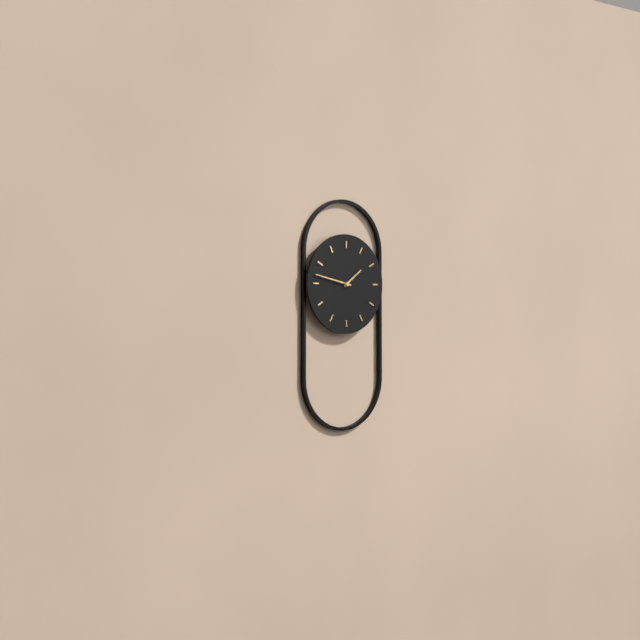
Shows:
1:47
